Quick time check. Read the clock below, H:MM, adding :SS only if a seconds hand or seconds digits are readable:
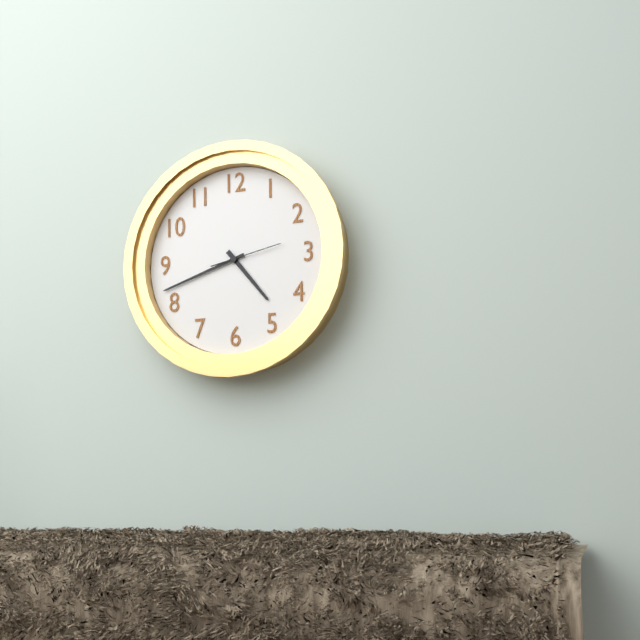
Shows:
4:42:13
